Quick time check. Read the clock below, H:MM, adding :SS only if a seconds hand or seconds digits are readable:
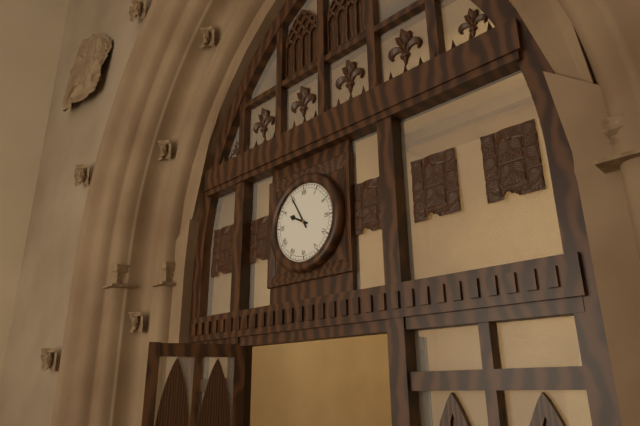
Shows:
9:55
